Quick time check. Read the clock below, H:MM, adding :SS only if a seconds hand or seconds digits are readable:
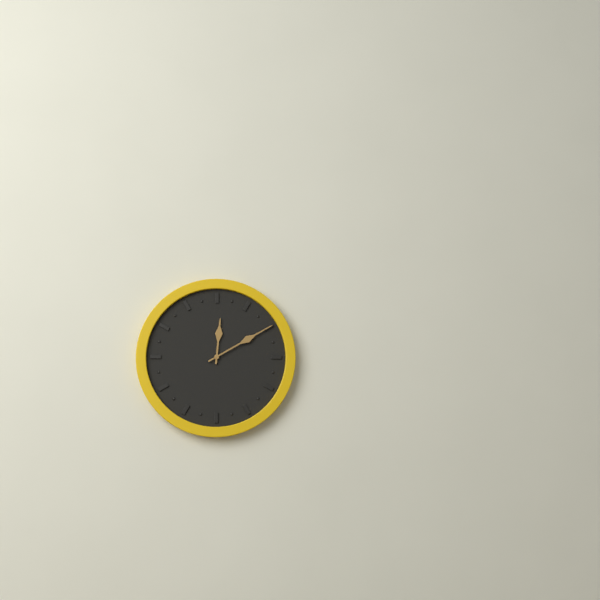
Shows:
12:10
